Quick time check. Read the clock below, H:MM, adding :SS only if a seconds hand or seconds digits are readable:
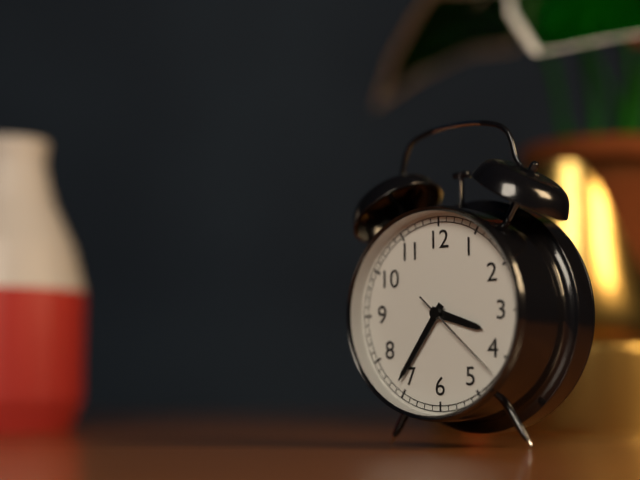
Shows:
3:36:22
